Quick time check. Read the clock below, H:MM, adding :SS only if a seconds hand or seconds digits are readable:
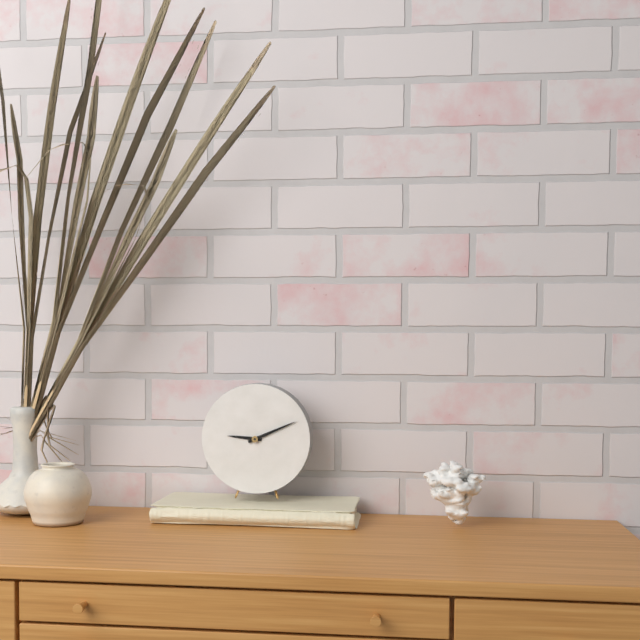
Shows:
9:11
